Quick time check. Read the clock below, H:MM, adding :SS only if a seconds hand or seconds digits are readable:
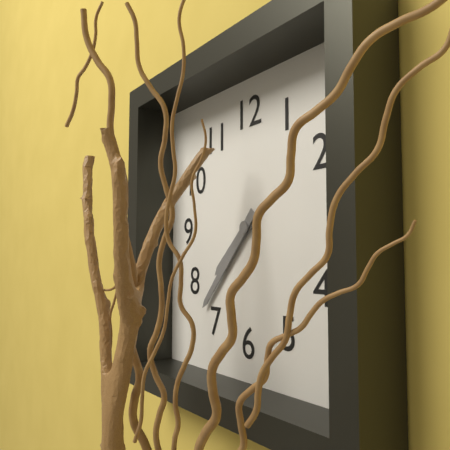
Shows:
7:37
